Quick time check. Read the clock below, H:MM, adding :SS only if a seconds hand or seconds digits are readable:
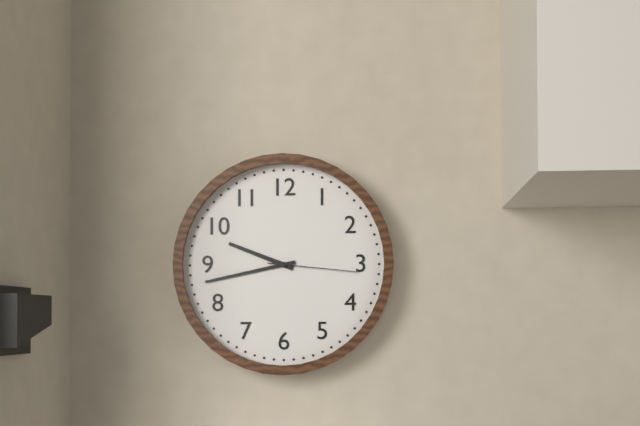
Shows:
9:43:16
